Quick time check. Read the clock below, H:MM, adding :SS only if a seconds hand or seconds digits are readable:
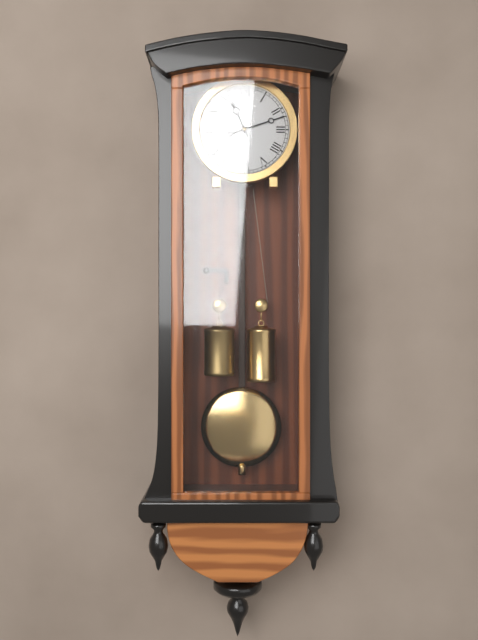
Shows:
11:12
